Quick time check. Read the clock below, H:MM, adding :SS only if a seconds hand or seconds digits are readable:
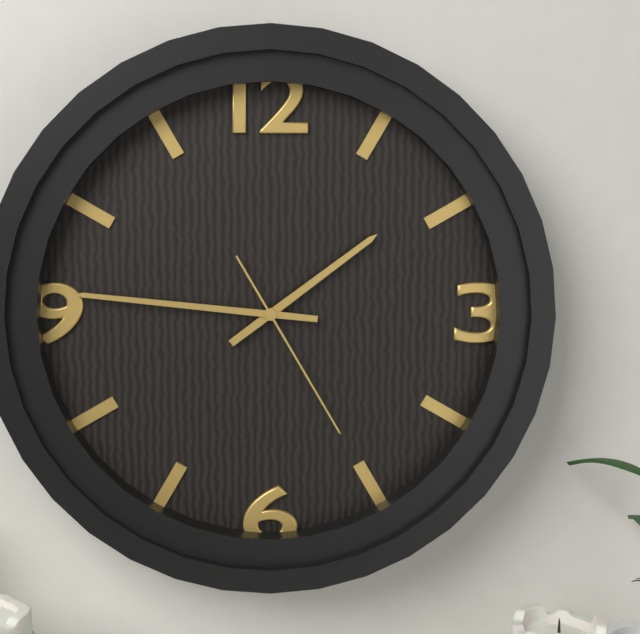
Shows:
1:46:25
